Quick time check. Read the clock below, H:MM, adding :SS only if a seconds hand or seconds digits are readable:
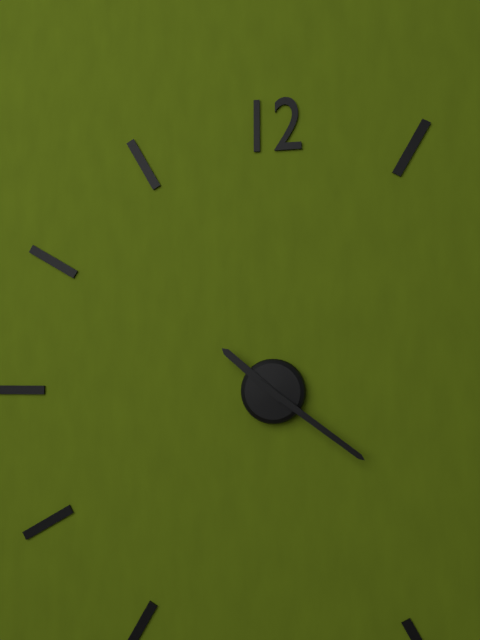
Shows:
10:21
